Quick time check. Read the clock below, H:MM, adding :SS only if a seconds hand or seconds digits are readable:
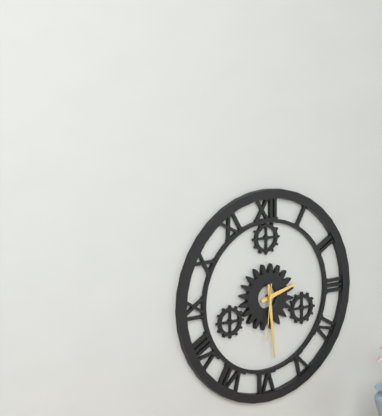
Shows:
2:29:31
